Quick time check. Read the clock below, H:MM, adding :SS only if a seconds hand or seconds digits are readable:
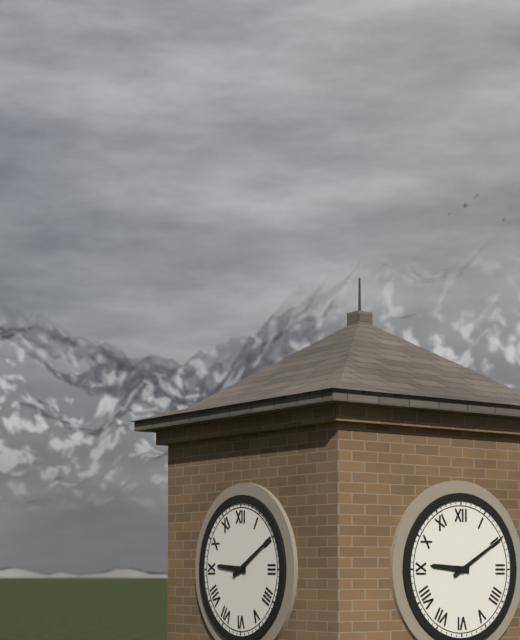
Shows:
9:10
